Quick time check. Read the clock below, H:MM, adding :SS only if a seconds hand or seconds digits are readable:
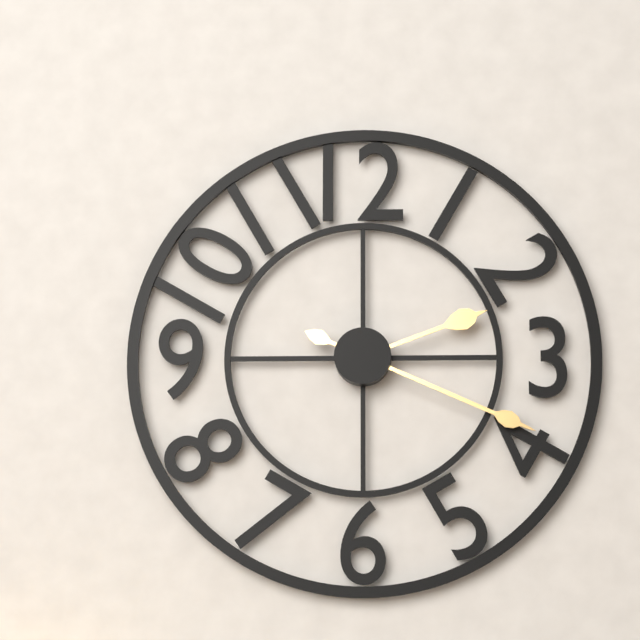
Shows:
2:19
